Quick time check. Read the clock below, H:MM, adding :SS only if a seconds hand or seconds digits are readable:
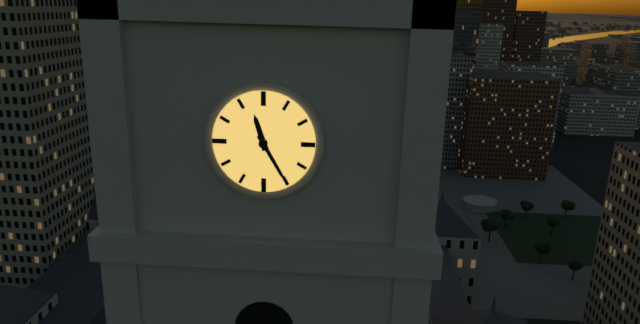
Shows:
11:25
